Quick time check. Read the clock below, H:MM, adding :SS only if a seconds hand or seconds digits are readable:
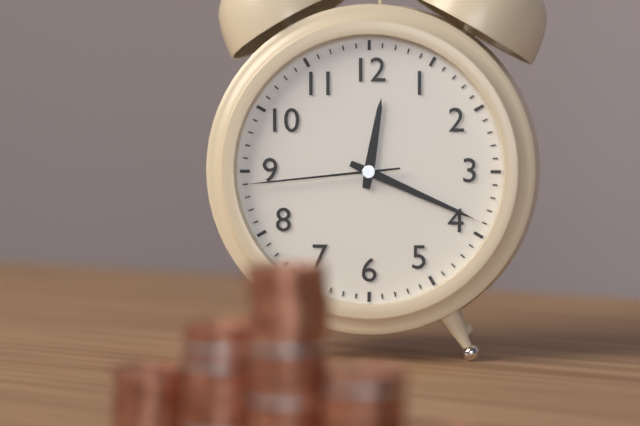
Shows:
12:19:44
